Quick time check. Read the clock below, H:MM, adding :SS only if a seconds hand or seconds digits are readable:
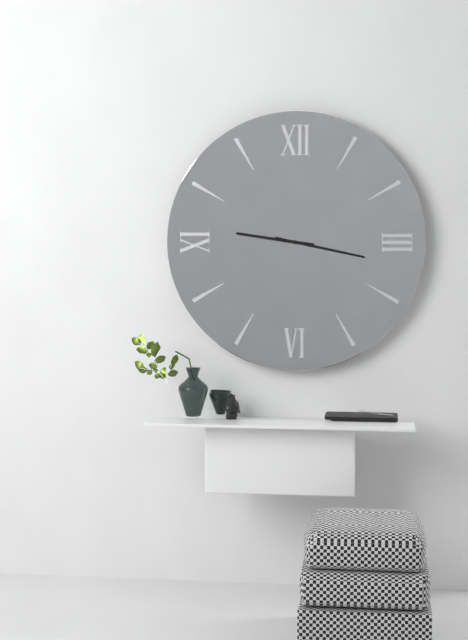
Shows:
9:17
